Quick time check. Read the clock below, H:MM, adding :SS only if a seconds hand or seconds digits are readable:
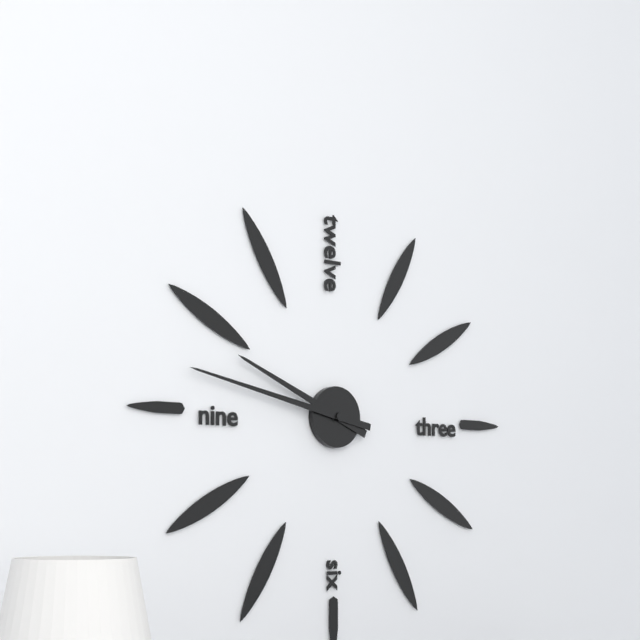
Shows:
9:47
